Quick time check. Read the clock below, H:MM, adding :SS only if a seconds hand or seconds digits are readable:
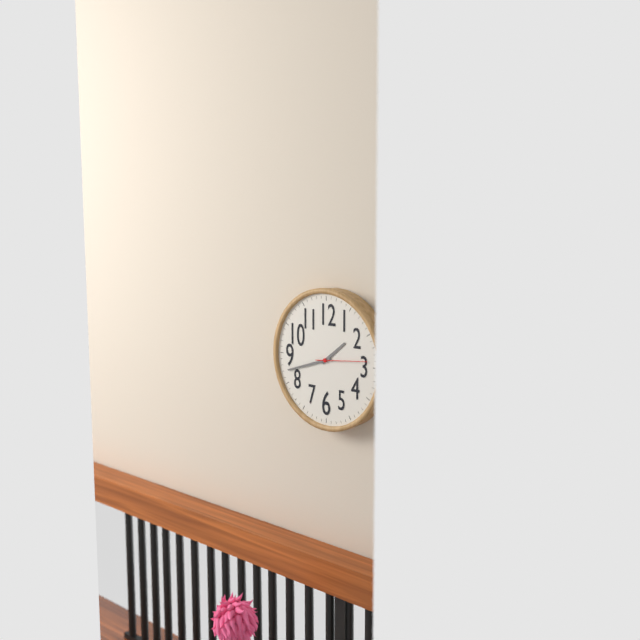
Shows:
1:42:14
